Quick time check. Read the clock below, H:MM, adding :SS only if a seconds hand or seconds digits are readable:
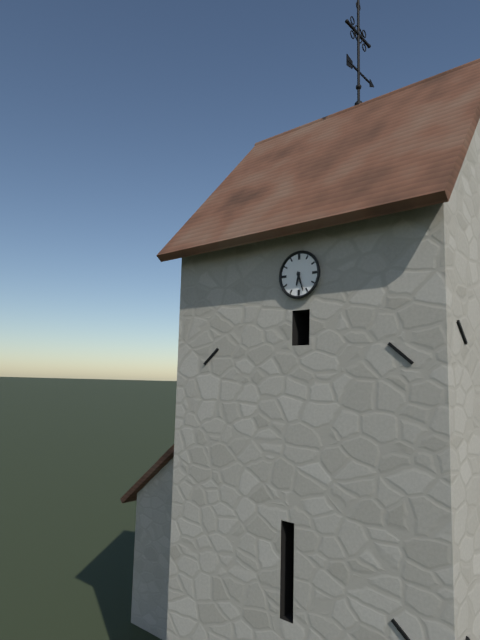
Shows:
6:27
